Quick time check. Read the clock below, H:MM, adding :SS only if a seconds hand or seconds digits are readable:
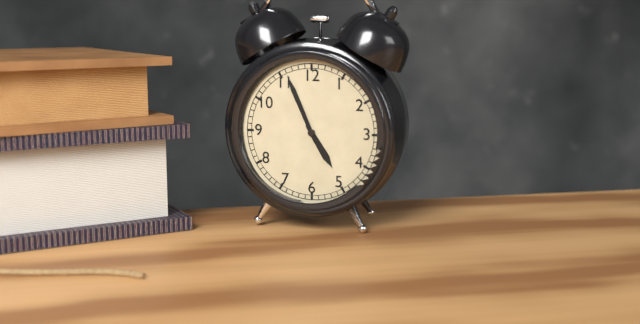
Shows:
4:56
